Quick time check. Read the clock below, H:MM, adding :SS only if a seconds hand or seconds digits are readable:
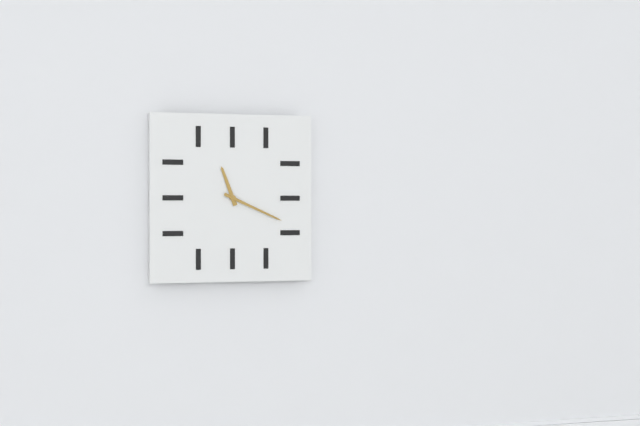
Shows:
11:19
